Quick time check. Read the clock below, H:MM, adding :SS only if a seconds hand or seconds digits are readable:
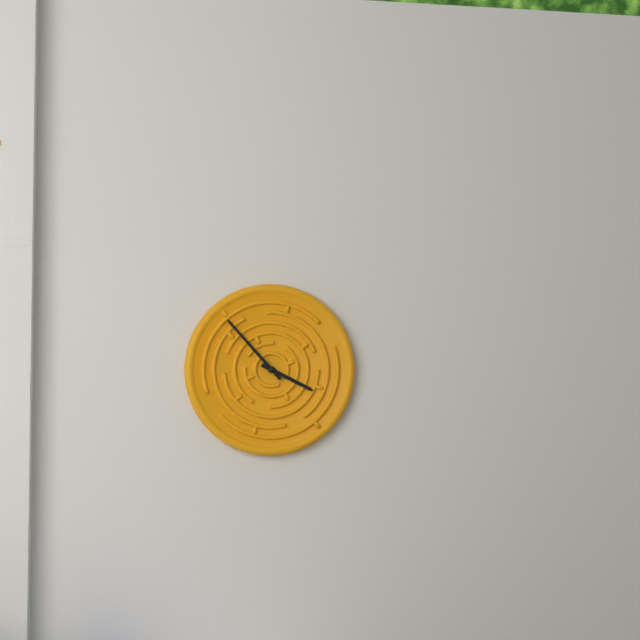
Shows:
3:53
